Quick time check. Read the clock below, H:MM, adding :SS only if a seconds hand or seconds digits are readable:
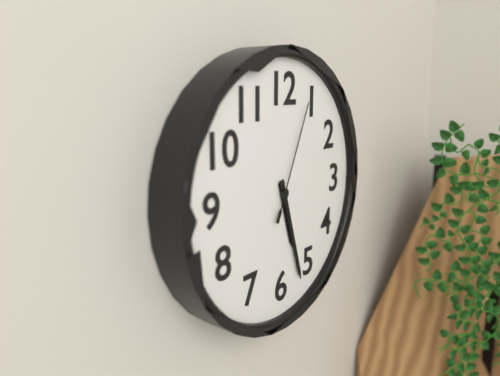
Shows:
5:27:04
